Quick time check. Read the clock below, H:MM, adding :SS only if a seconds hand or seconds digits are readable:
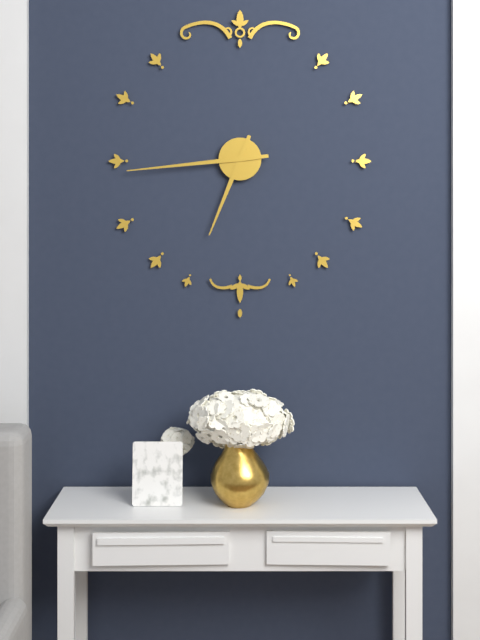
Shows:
6:44
